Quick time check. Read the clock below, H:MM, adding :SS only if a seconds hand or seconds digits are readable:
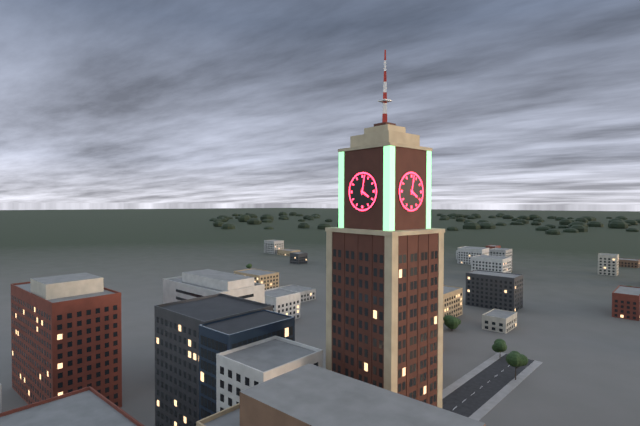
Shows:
4:02
